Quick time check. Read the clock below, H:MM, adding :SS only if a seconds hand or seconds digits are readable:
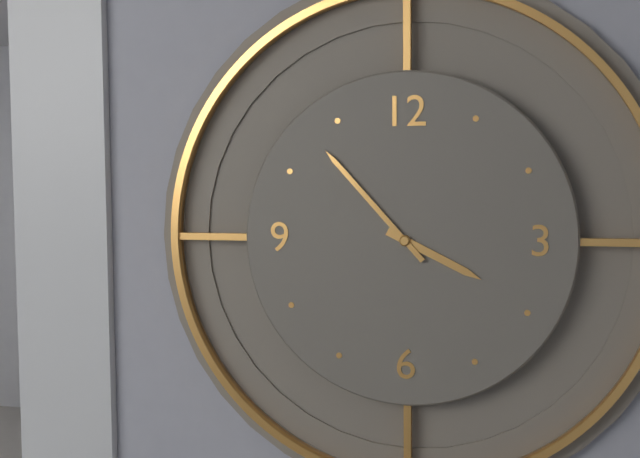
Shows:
3:53
